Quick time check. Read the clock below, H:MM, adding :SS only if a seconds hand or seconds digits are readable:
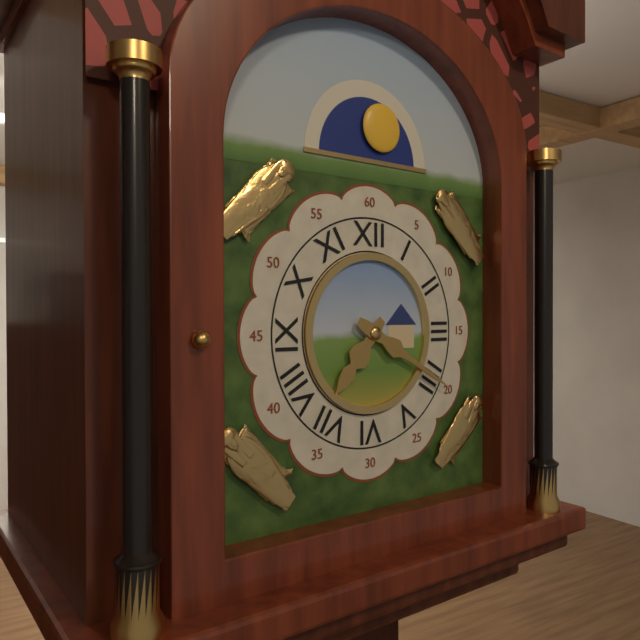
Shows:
7:20
